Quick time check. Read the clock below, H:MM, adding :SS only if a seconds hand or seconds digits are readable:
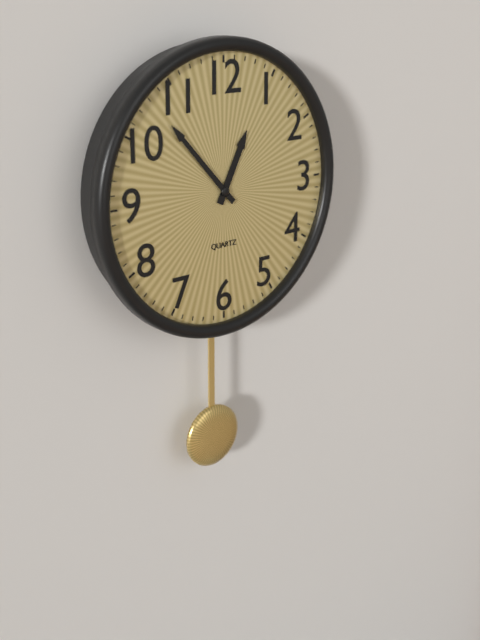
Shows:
12:53
